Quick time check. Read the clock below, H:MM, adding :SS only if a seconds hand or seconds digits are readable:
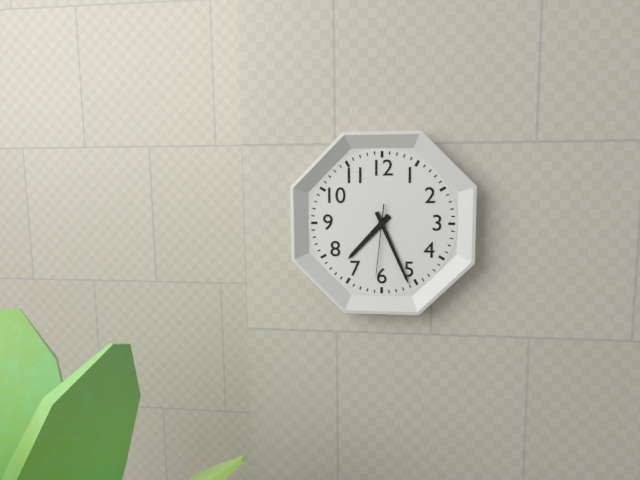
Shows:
7:26:31
